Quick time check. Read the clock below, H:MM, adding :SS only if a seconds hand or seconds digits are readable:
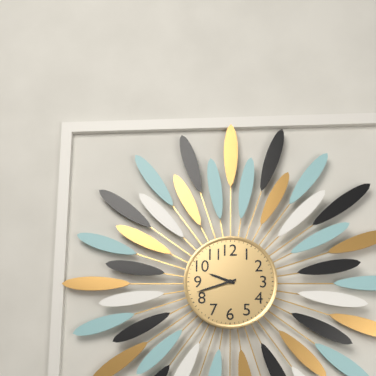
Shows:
9:42
